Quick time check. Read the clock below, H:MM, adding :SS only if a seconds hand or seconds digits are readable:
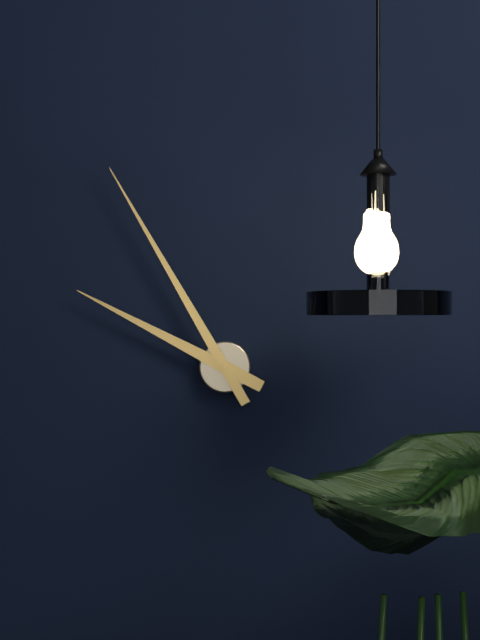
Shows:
9:55
